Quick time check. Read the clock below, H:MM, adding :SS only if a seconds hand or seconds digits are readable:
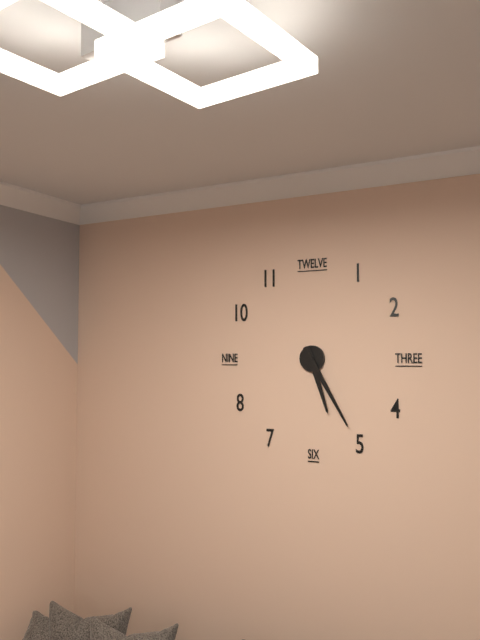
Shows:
5:25
